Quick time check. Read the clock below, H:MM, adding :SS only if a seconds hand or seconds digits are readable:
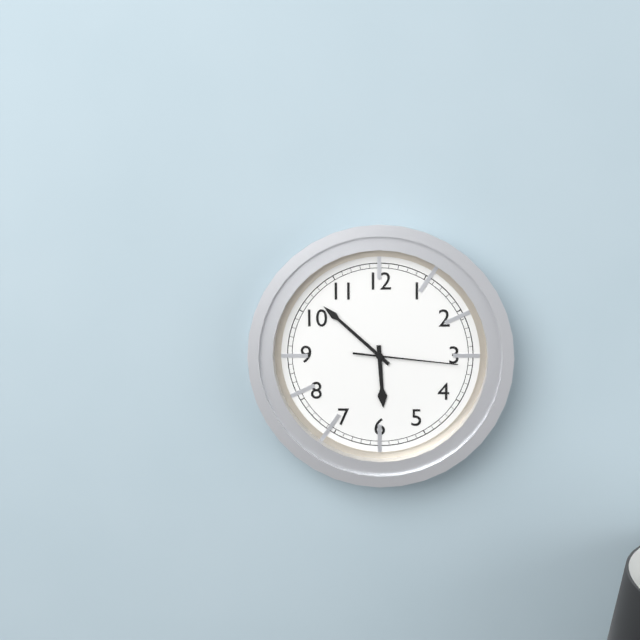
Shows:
5:52:16
